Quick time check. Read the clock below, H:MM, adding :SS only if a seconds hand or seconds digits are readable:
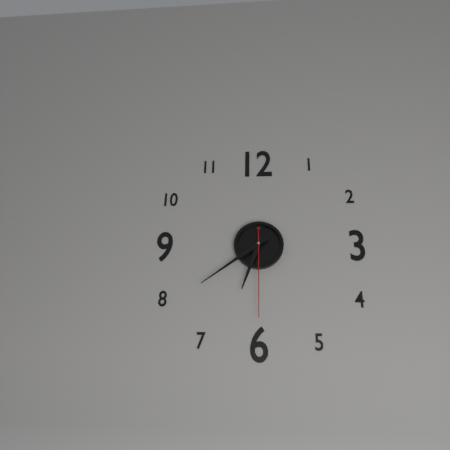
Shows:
6:39:30
